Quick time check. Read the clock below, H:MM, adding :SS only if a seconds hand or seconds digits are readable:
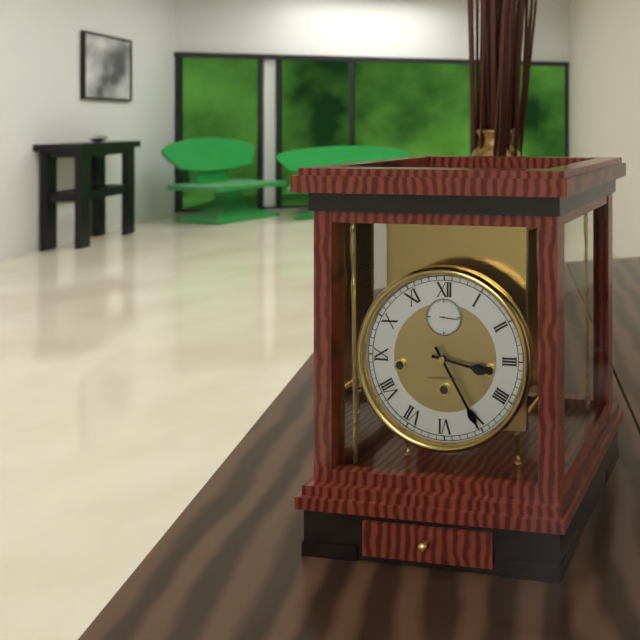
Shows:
3:25
